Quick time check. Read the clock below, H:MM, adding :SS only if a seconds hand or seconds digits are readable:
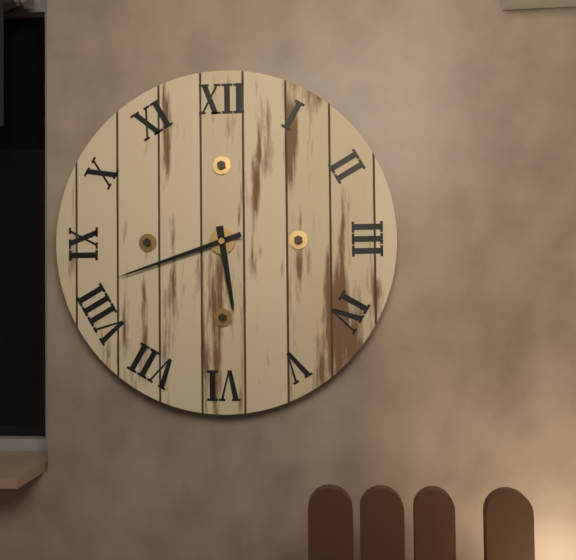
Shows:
5:42
